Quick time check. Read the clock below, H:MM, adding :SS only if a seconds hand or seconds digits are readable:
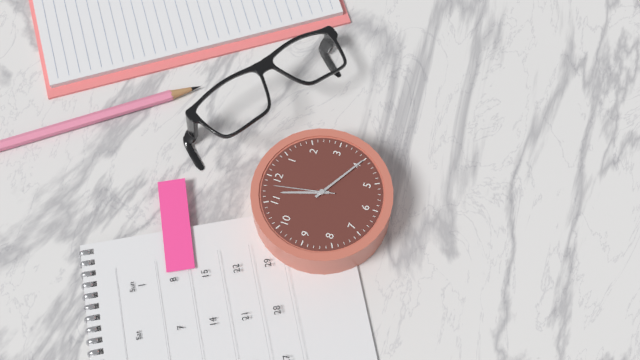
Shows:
11:20:58
